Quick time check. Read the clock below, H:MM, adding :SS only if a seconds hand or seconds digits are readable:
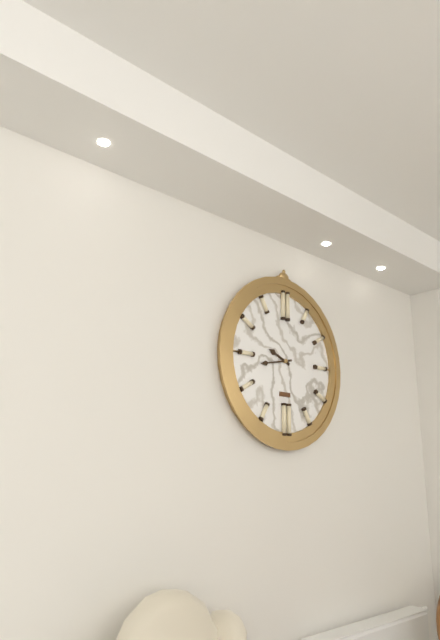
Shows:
9:43
